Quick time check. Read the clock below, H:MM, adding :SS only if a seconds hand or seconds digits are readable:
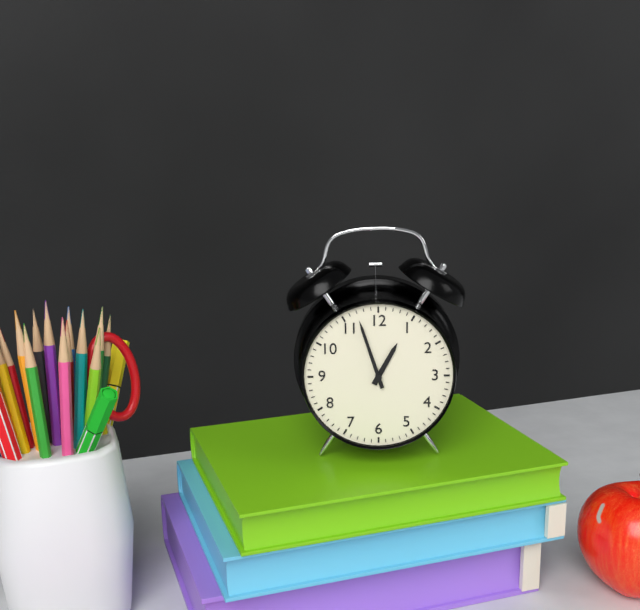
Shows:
12:57
